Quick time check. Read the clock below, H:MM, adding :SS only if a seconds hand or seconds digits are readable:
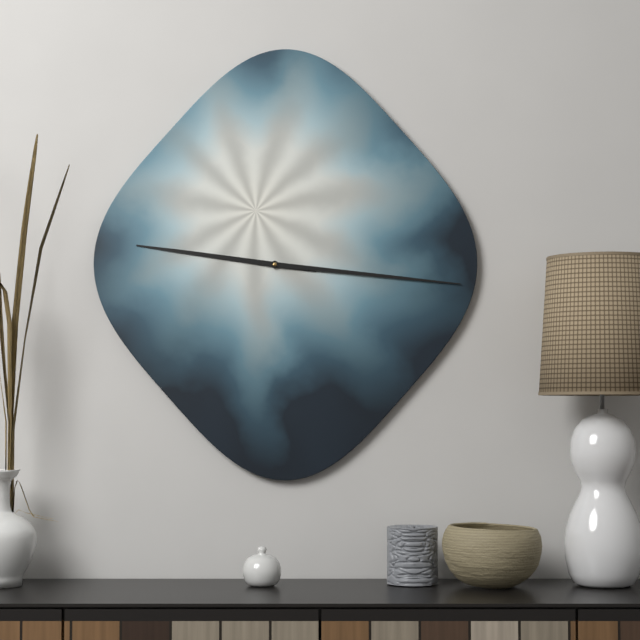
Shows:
9:16
